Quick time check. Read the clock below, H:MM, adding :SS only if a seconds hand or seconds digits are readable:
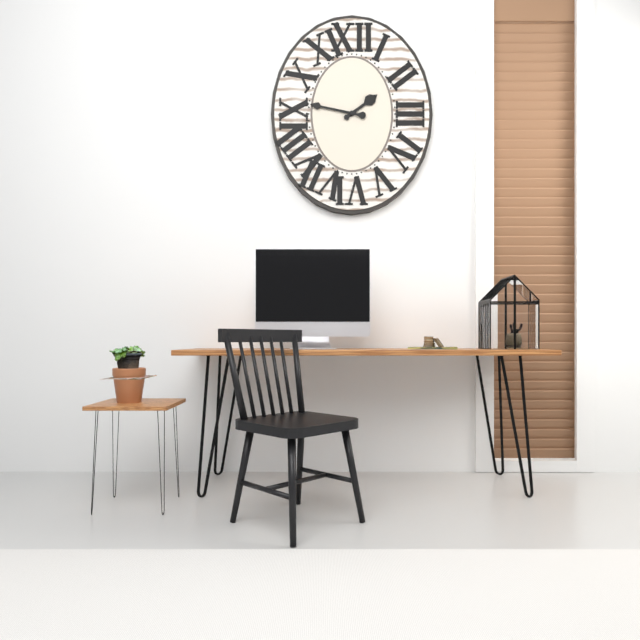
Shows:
1:47
